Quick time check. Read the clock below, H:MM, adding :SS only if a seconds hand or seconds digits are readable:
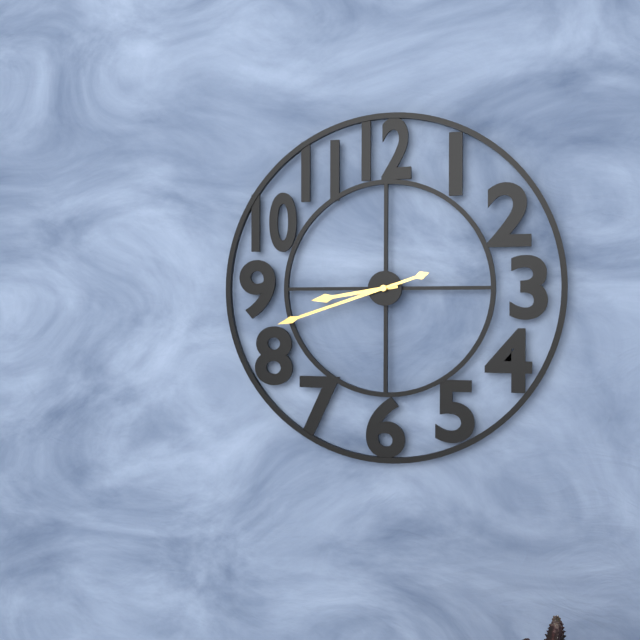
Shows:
8:42
